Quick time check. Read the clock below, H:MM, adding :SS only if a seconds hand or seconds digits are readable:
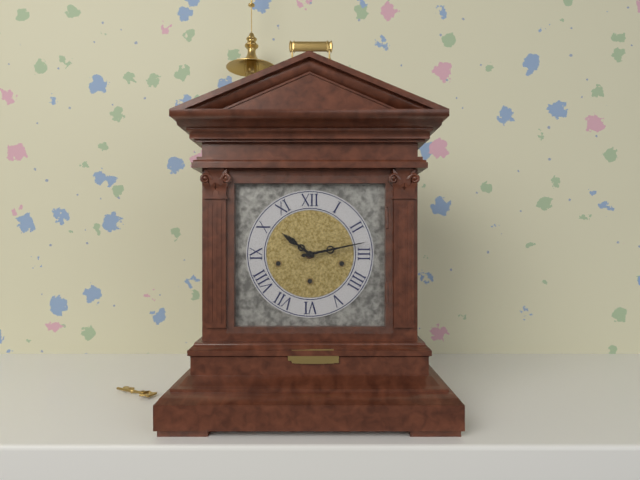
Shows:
10:13
